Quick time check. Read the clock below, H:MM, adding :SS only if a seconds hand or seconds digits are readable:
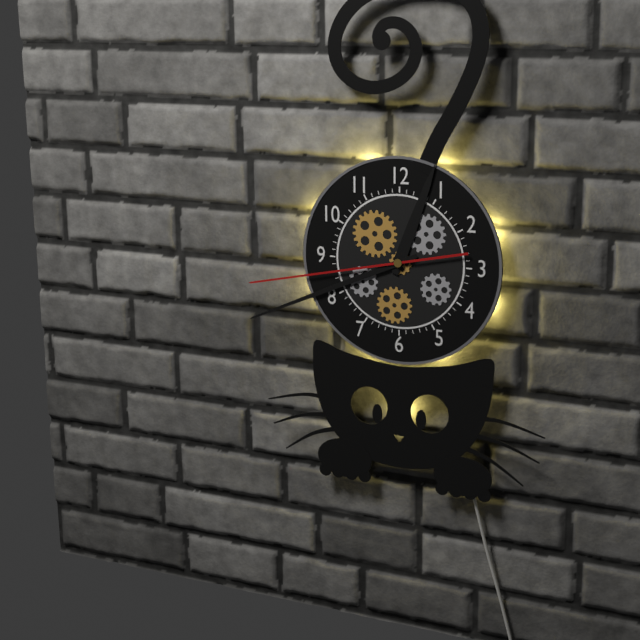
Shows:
12:41:43
